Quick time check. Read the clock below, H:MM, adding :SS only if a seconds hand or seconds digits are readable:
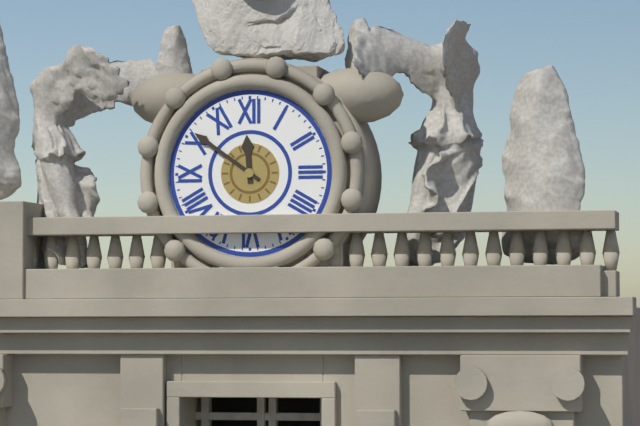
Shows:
11:51
